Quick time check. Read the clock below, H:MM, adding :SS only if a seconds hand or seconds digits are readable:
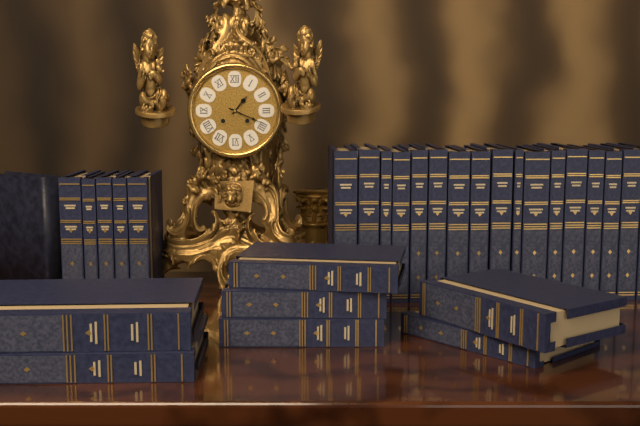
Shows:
1:19
